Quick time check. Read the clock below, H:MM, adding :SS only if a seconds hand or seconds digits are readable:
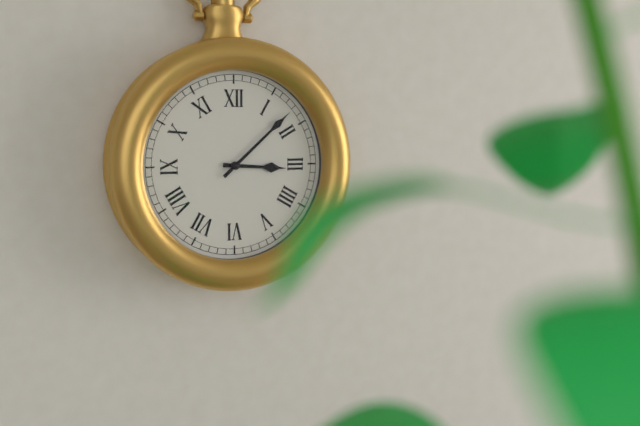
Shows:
3:08
